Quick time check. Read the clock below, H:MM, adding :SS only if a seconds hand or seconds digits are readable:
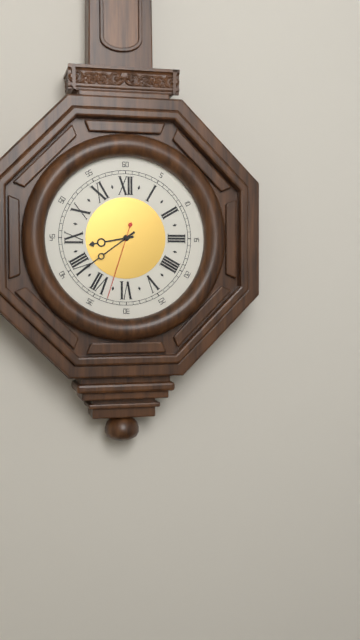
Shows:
8:39:33
